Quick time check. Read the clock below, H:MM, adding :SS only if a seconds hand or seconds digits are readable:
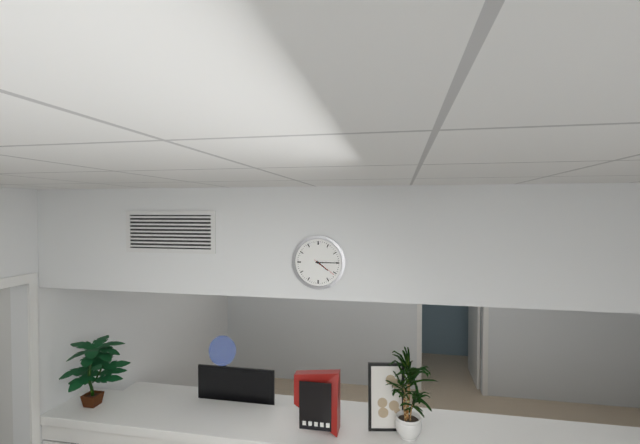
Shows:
4:15
